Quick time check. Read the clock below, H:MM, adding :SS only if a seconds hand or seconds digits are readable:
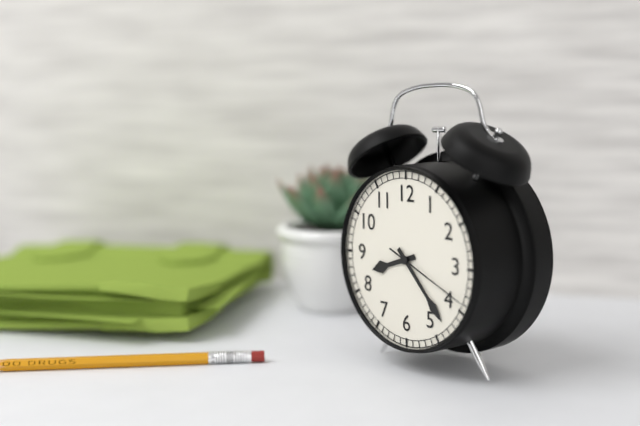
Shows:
8:23:19
